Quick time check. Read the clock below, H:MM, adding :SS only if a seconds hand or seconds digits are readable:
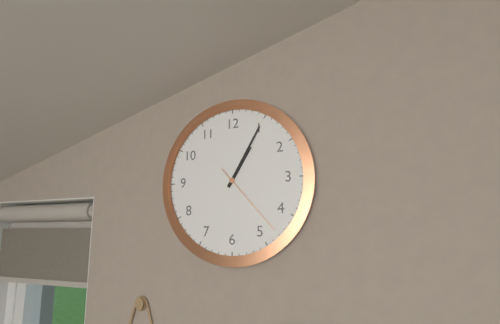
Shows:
1:05:23
